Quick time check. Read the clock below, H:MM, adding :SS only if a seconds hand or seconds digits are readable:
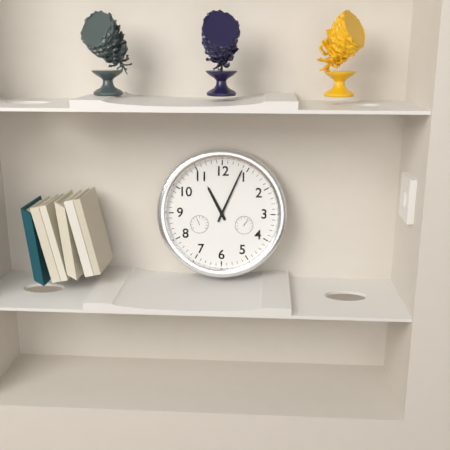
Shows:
11:04
